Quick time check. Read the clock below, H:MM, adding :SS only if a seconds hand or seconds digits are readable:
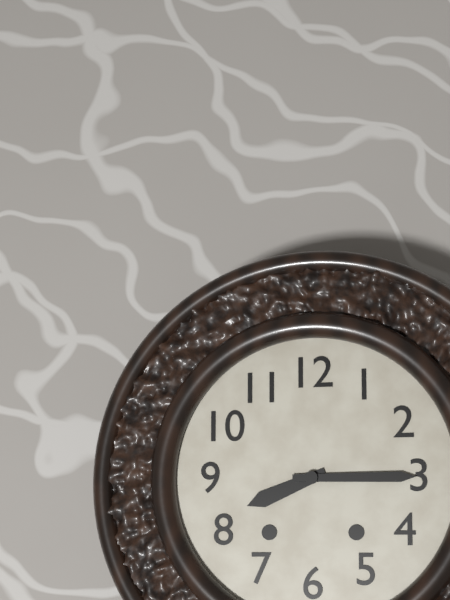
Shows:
8:15
